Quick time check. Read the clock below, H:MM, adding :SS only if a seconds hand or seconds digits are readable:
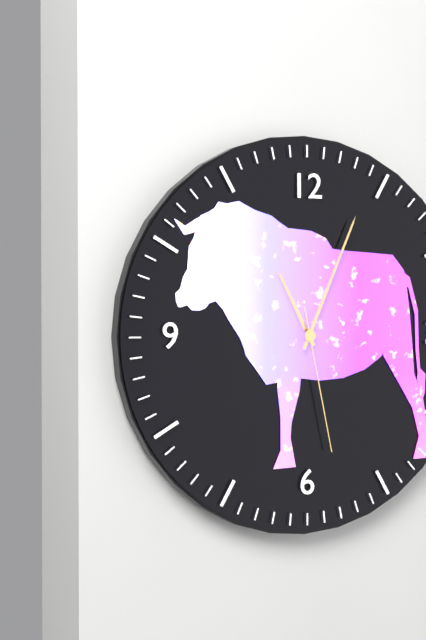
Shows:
11:04:28
